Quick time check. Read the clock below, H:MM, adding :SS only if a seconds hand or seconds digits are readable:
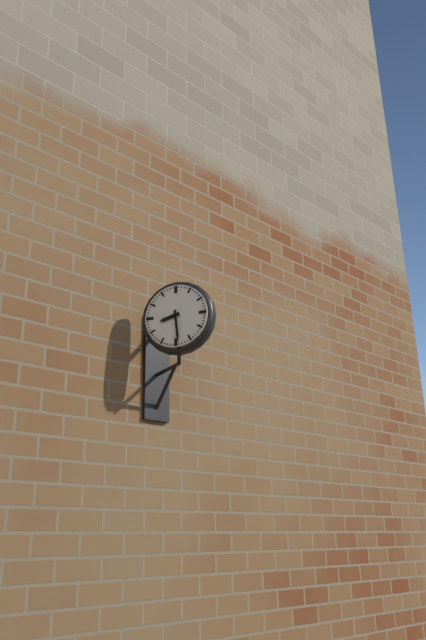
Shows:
8:29
